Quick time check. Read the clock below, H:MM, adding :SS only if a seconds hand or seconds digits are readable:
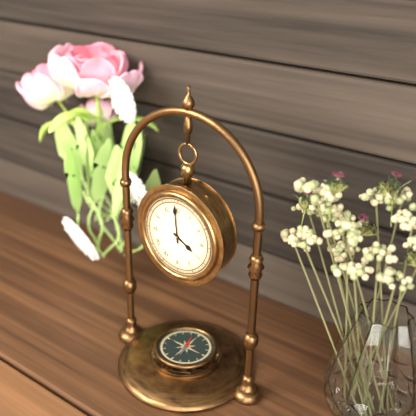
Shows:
3:59
